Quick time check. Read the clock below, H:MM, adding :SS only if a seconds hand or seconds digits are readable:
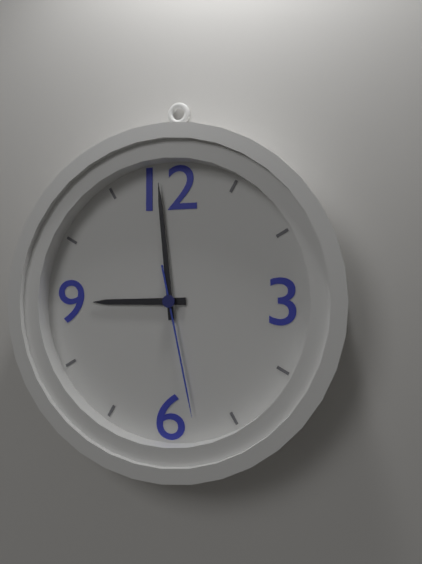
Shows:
8:59:28
